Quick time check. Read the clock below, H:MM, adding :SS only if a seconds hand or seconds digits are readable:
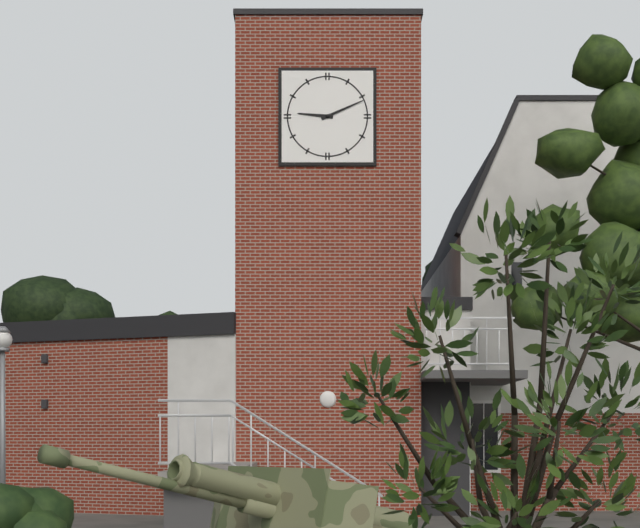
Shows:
9:11
